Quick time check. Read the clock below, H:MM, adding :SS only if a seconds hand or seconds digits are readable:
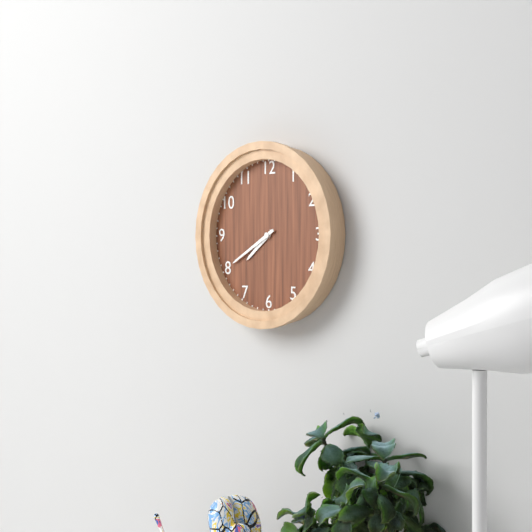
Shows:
7:40
